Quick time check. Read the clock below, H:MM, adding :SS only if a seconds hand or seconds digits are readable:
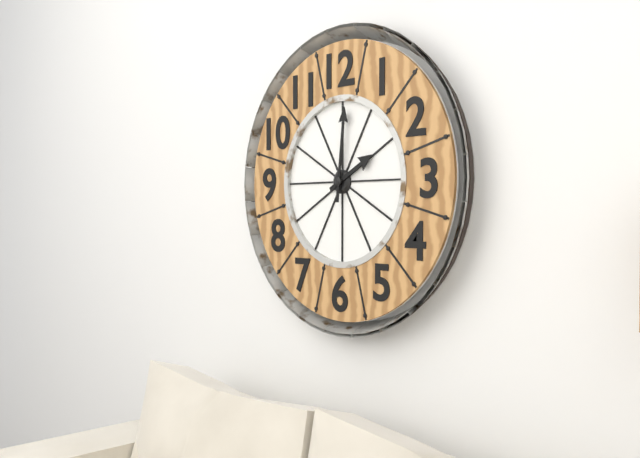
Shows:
2:01
